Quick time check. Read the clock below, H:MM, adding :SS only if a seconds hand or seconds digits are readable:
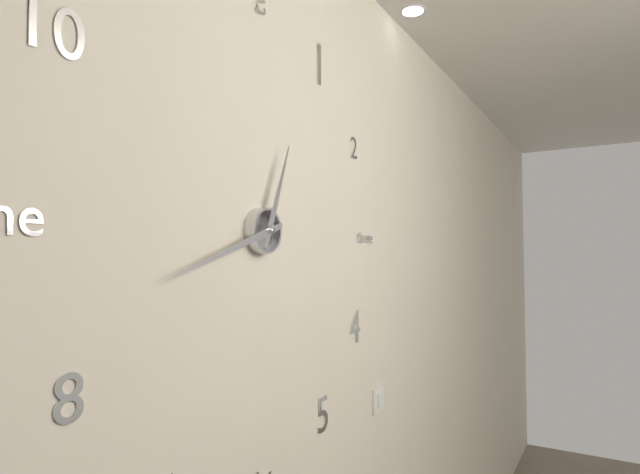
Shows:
12:42
